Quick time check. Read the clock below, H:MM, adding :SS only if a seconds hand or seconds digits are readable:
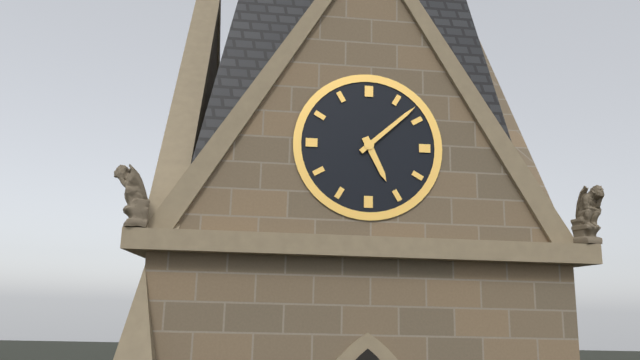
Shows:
5:08
